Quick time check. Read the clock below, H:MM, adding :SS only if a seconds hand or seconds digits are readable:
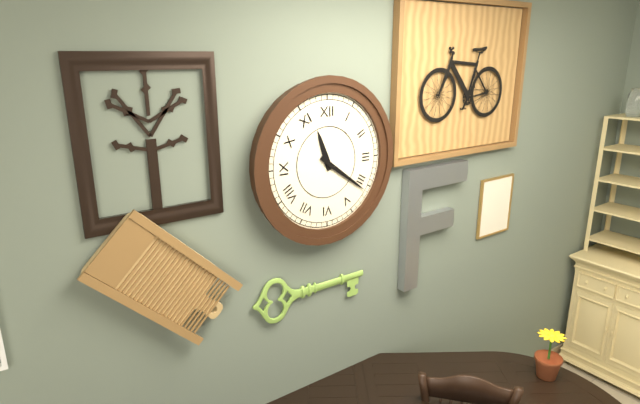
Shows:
11:21
